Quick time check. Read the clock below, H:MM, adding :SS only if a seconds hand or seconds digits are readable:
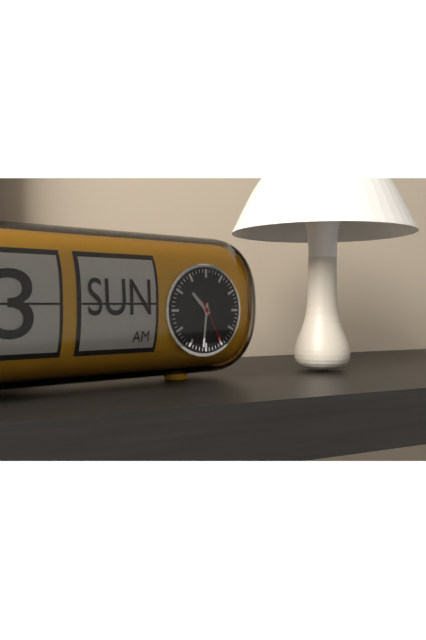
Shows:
10:31:25
